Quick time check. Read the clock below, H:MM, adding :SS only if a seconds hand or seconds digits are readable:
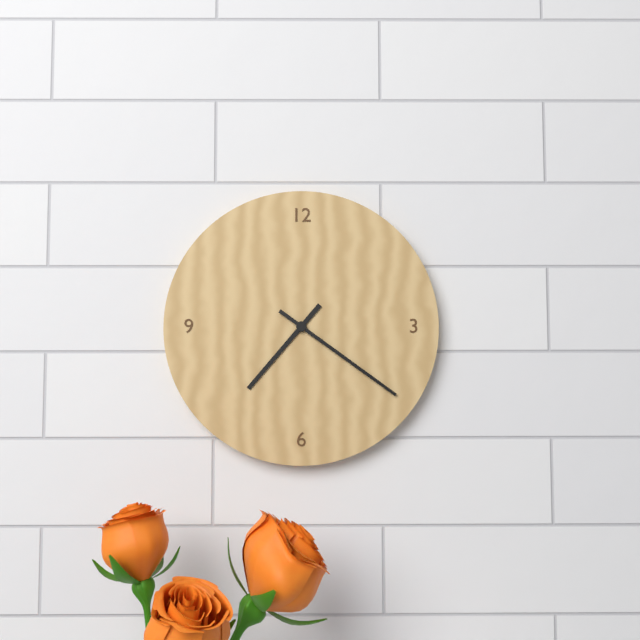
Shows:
7:21
